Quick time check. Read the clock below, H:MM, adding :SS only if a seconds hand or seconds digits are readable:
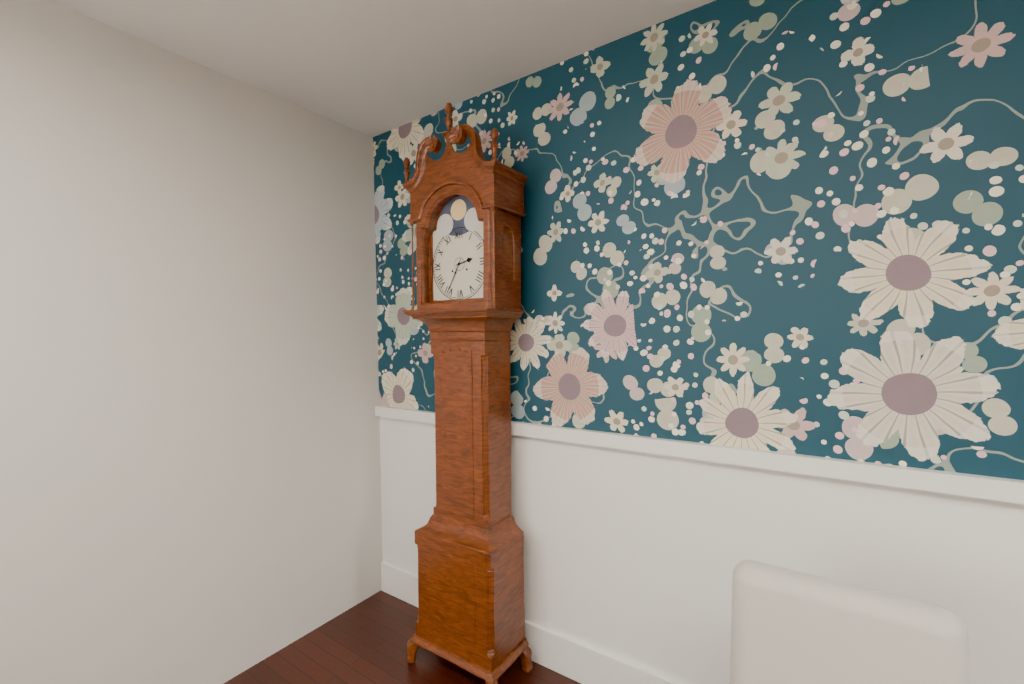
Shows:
2:35
